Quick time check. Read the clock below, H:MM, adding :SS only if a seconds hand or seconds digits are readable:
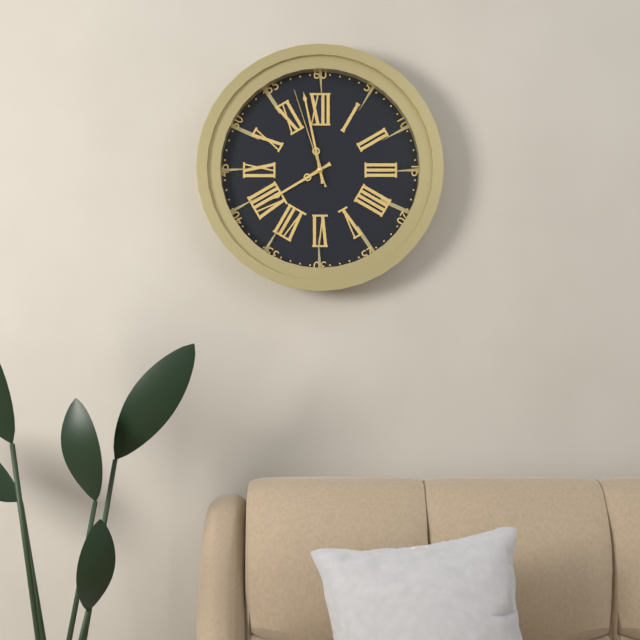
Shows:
7:58:57
